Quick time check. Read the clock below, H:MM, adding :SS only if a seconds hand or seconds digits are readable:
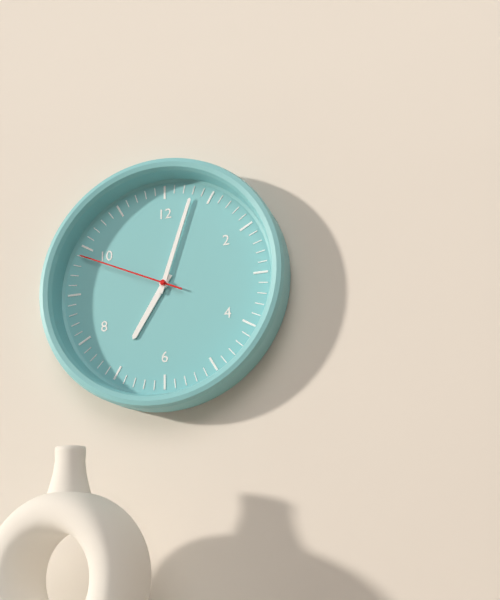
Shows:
7:03:49
